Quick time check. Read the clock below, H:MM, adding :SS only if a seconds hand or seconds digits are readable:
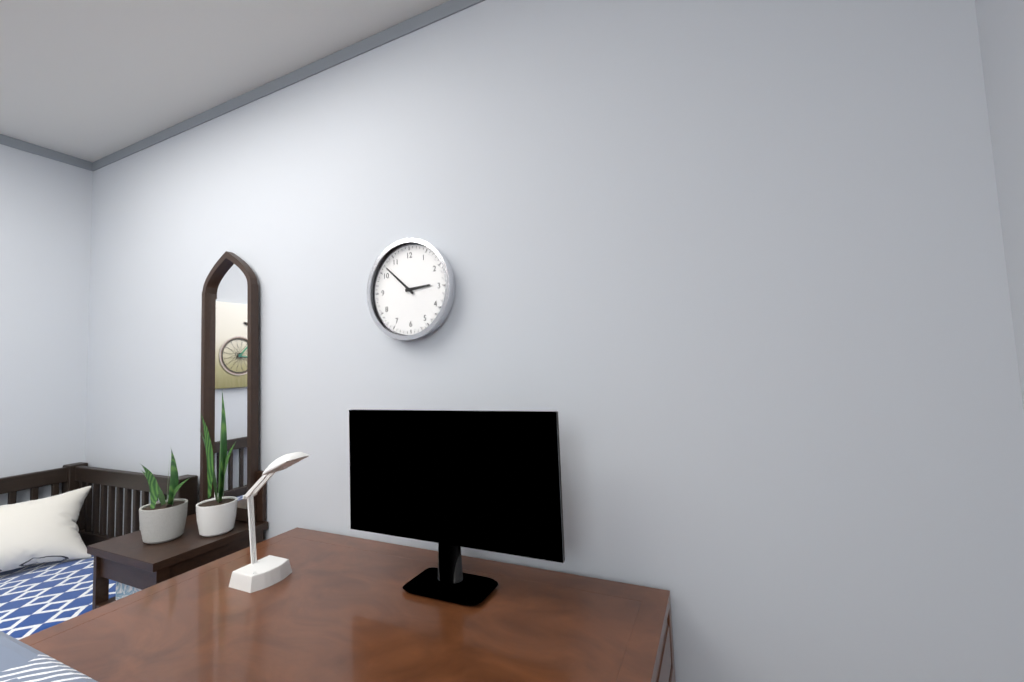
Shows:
2:52
